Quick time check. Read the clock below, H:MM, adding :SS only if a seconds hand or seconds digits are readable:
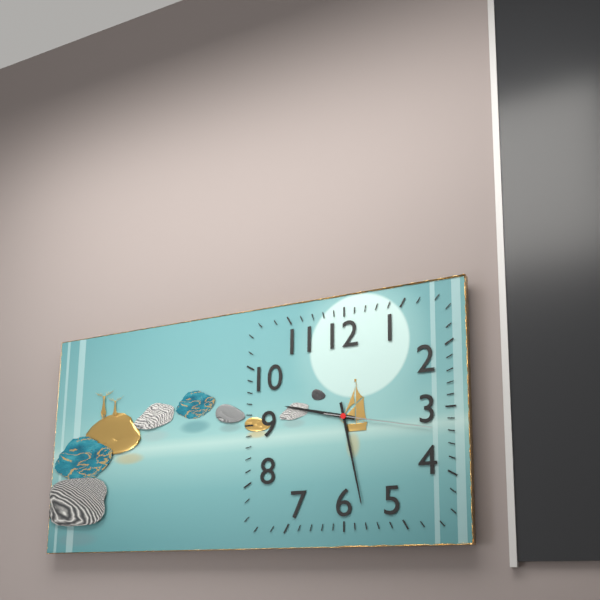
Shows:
9:28:17
